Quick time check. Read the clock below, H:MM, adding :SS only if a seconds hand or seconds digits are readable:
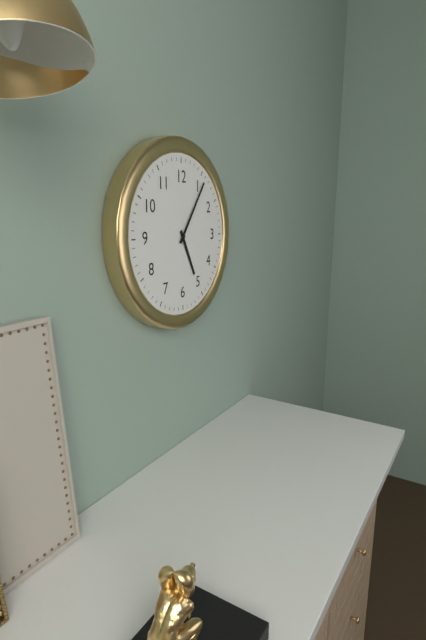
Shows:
5:06
